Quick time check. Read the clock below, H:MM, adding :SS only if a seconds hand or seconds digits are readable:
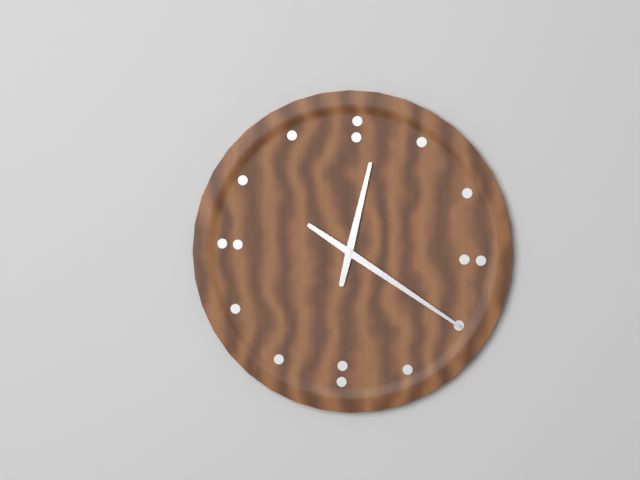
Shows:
12:20
